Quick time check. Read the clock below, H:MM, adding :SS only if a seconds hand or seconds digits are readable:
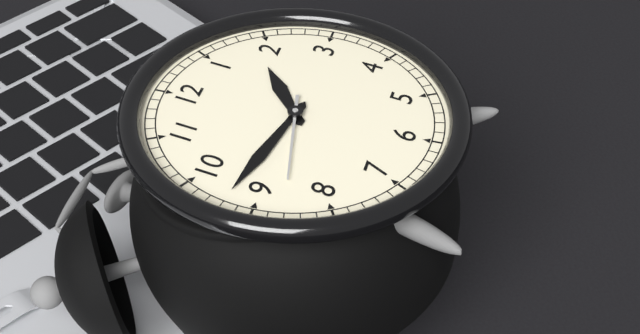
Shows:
1:47:43
